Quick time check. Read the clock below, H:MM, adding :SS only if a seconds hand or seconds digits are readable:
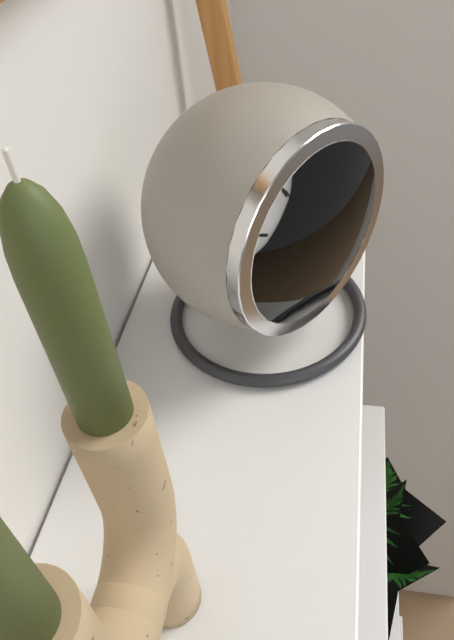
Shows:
6:23:55
